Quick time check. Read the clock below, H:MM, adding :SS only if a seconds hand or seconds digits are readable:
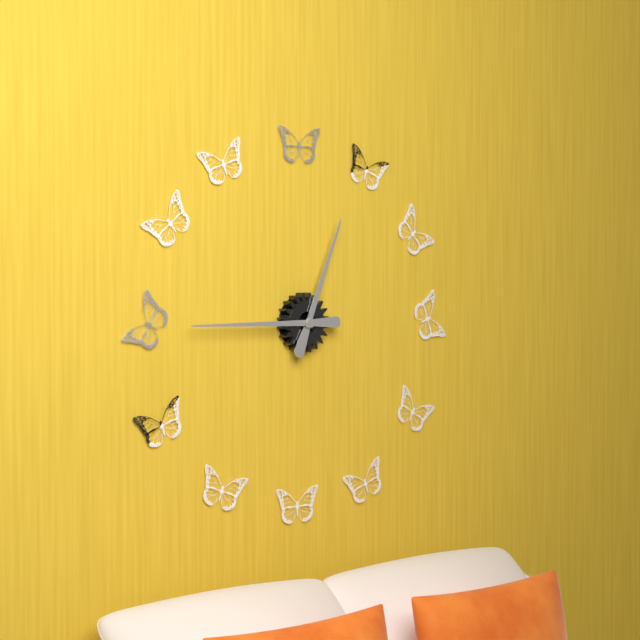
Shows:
12:45
